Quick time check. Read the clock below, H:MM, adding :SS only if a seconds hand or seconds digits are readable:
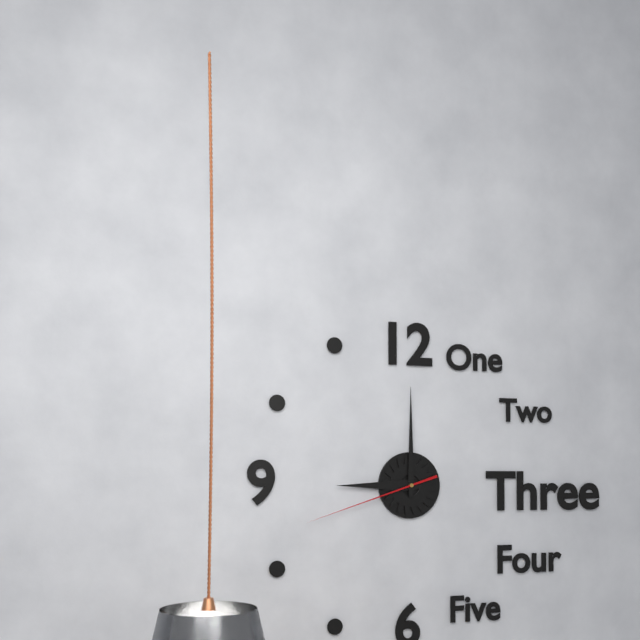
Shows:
9:00:42
